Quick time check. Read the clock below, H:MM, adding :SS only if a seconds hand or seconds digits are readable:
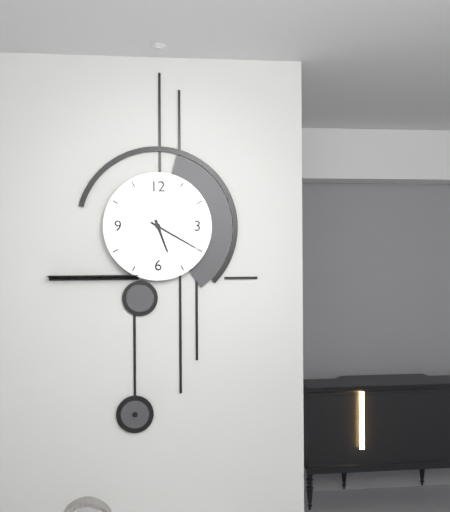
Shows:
5:20
